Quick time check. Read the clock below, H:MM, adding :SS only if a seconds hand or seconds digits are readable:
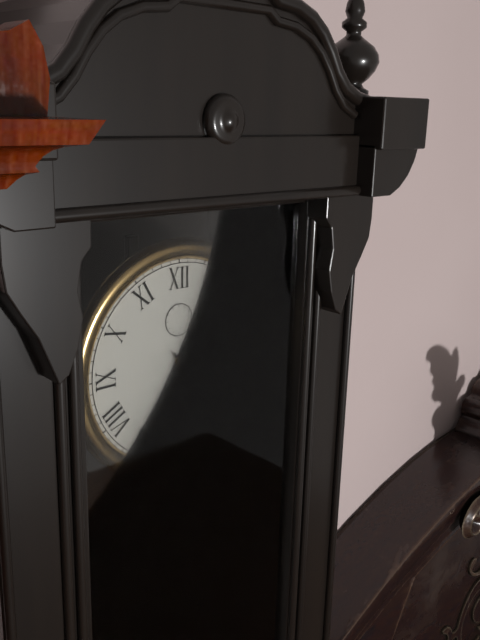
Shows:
1:24
